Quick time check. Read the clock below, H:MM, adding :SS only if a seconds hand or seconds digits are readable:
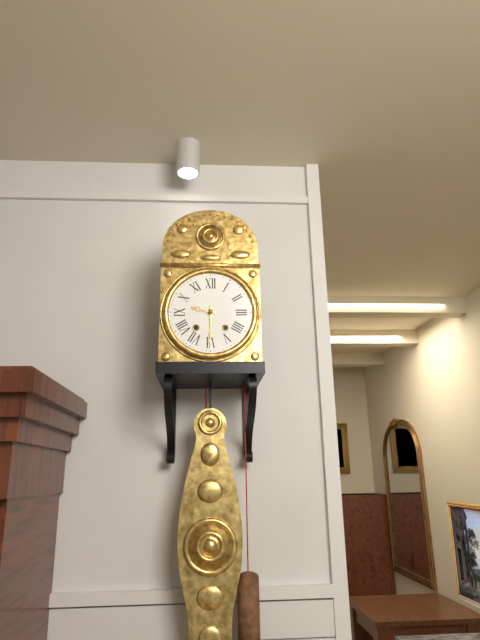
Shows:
9:30
